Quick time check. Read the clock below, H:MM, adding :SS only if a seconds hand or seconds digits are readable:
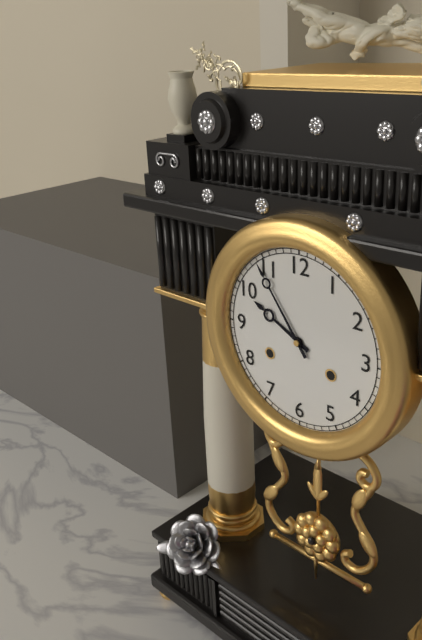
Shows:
9:54
